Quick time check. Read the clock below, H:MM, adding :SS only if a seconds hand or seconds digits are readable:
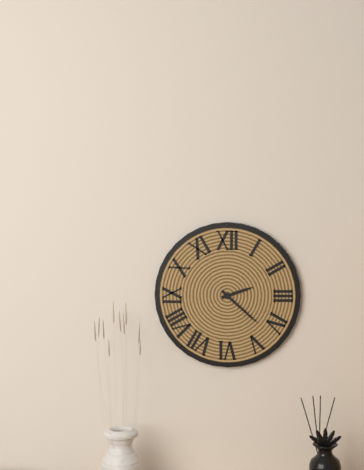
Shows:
2:22
